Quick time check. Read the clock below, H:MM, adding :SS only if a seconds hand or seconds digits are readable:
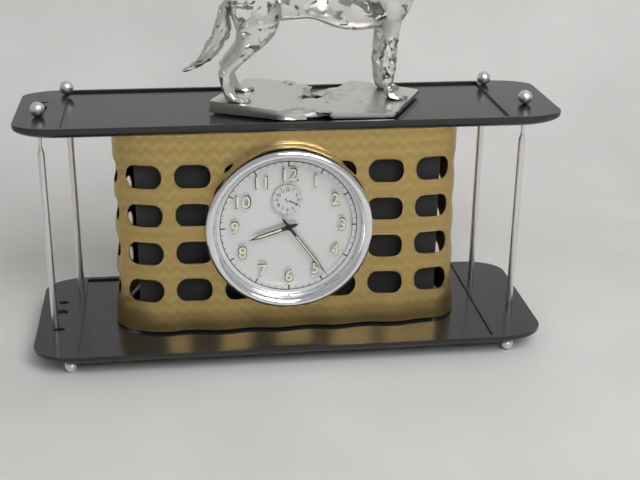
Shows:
8:24
